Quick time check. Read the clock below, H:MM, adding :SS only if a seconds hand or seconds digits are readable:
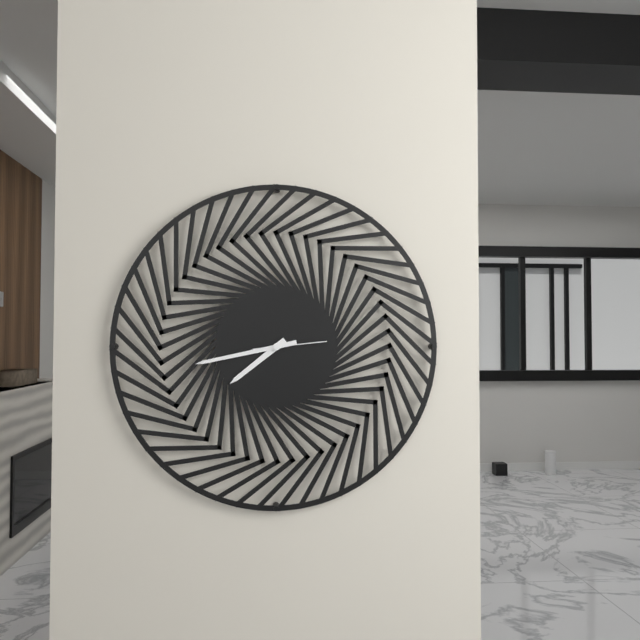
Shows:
7:43:14
